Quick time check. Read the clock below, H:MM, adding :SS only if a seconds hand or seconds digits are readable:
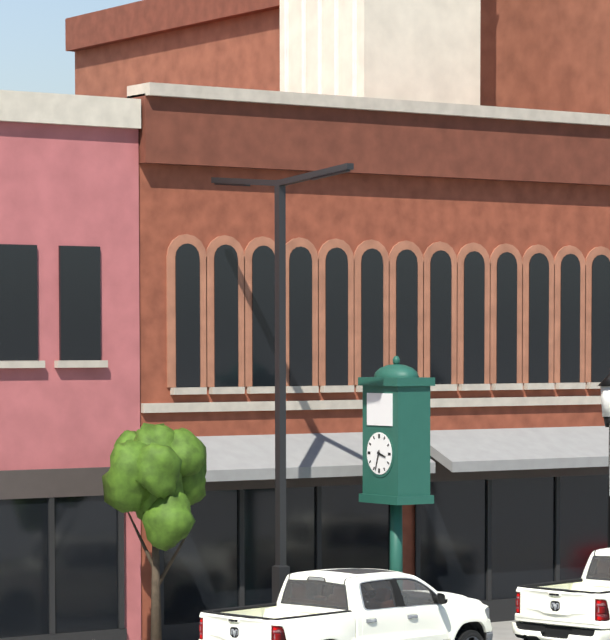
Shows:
3:33
